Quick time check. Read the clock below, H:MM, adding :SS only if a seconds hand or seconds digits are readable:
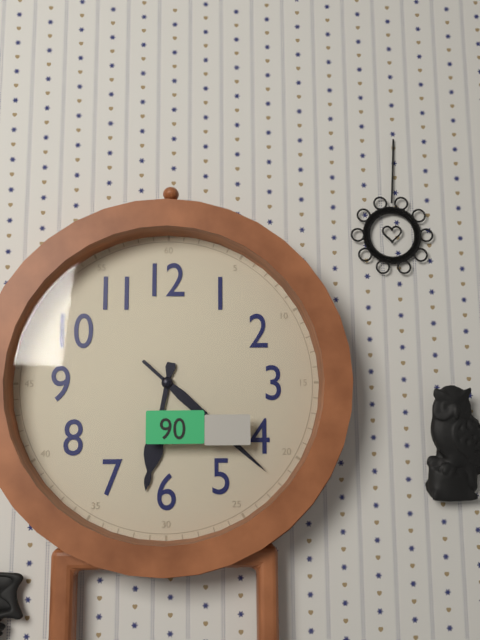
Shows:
6:22
